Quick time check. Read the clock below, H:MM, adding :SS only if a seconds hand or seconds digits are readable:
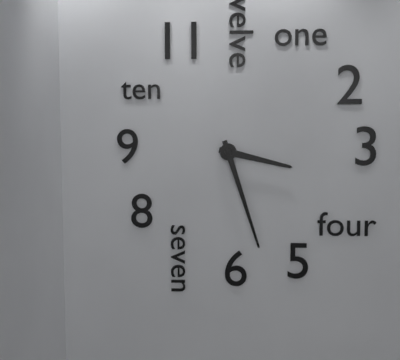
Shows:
3:27
